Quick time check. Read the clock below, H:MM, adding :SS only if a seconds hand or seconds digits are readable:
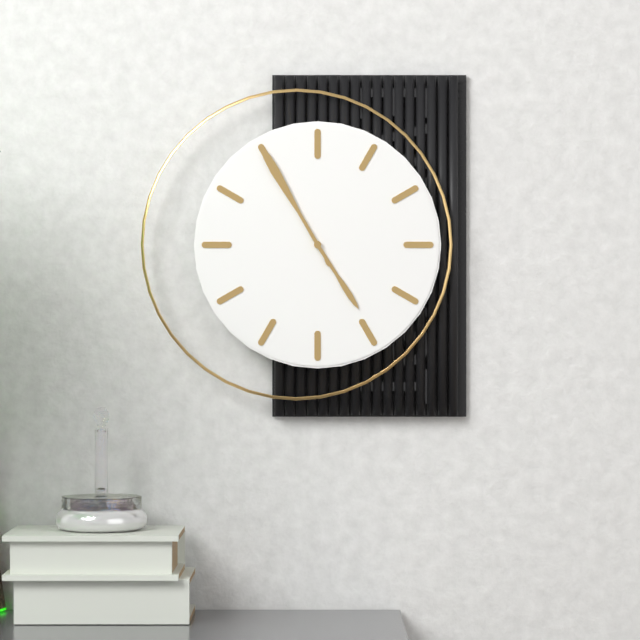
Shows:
4:55
